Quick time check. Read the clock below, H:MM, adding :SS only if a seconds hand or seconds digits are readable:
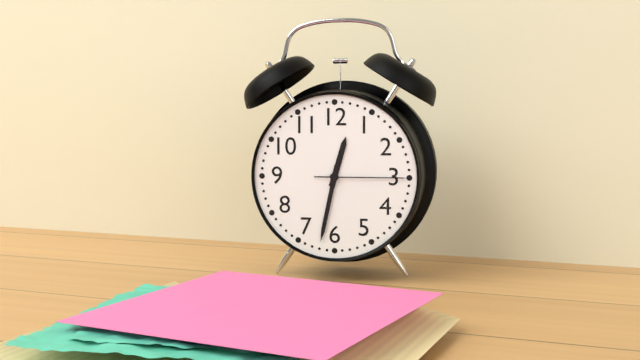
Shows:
12:32:15
